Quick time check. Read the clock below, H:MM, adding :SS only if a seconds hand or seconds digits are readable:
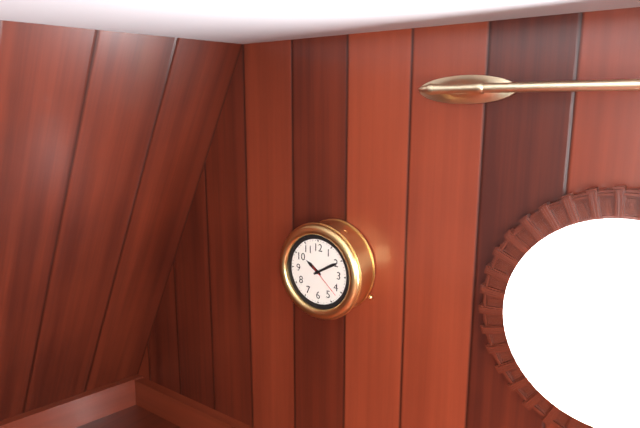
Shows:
10:10
